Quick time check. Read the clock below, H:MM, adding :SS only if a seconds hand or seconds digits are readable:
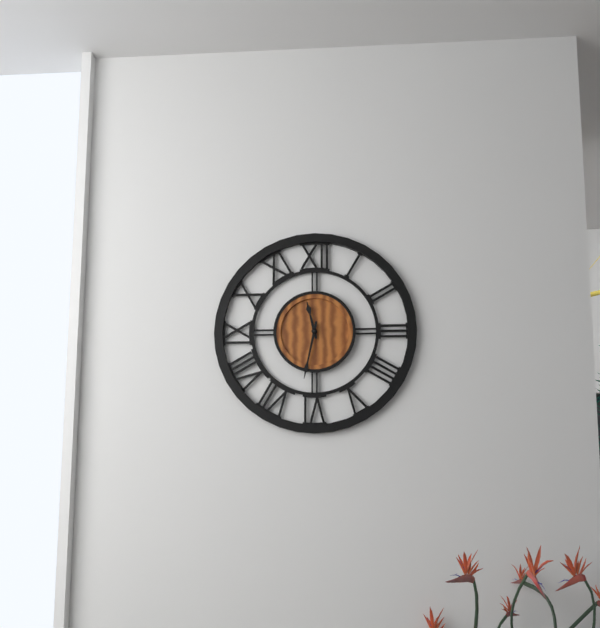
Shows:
11:32
